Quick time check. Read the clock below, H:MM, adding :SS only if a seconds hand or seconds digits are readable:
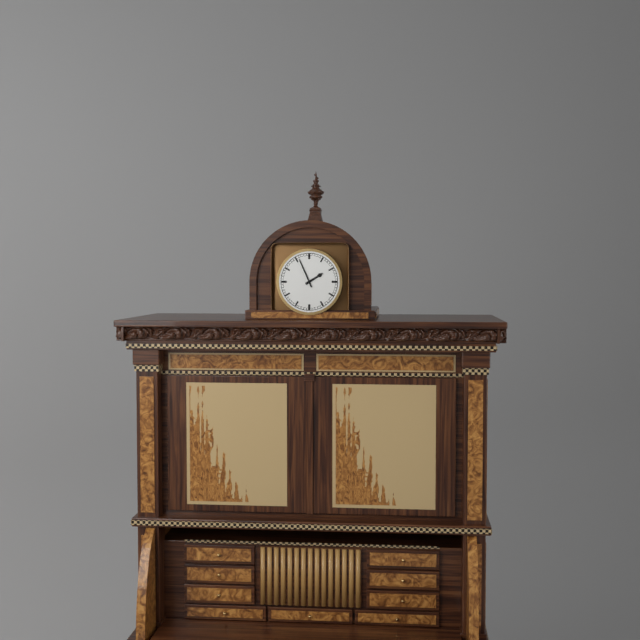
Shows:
1:56
